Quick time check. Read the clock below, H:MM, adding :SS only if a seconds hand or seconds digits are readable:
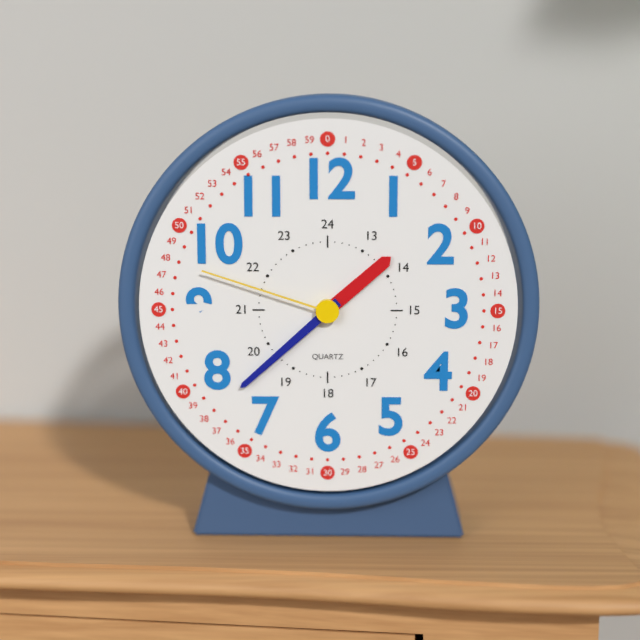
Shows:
1:38:48
